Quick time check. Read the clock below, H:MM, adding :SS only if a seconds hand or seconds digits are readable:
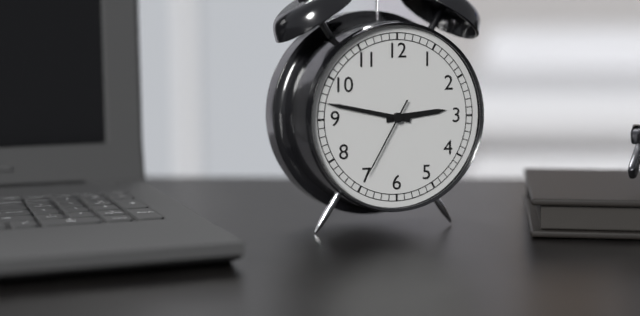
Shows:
2:47:35
